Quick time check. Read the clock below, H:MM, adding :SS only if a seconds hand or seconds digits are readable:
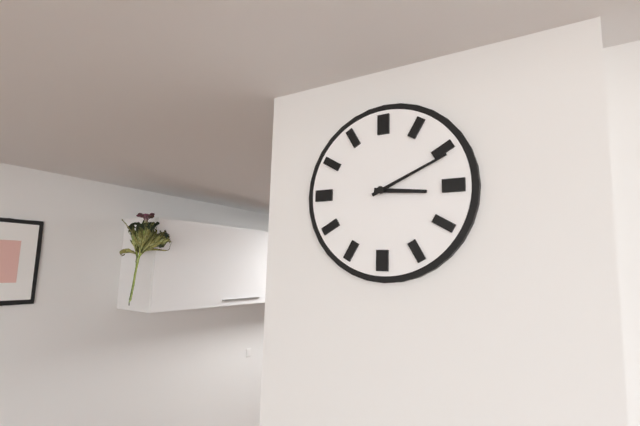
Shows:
3:11
